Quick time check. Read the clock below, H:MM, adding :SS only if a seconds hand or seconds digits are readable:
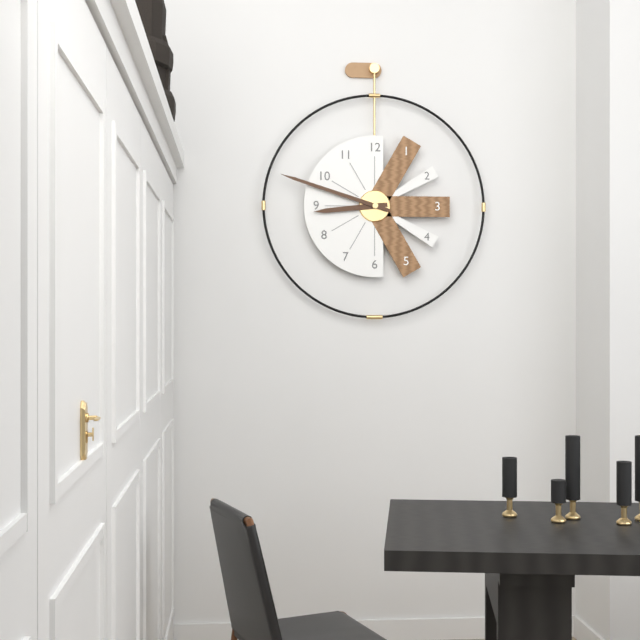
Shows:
8:48
